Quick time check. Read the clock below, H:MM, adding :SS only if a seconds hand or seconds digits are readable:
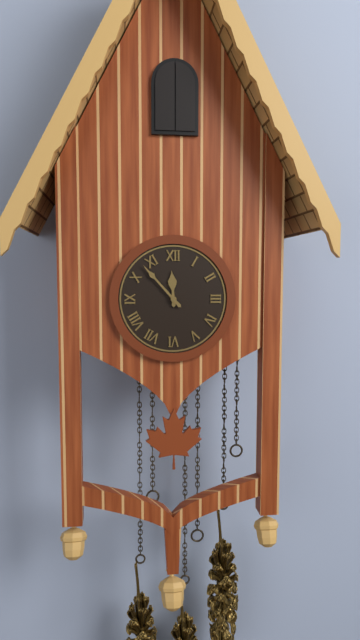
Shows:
11:53
